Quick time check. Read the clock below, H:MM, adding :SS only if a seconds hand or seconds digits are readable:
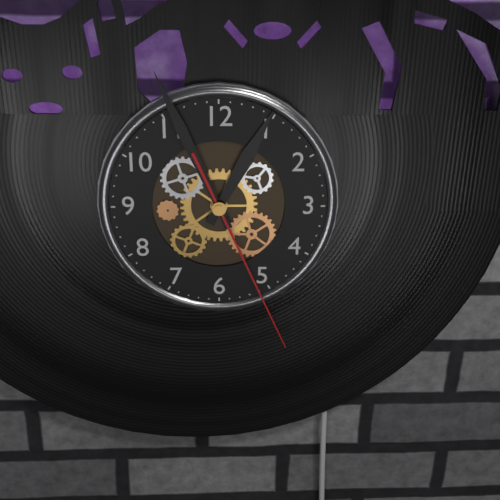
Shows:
12:56:26
